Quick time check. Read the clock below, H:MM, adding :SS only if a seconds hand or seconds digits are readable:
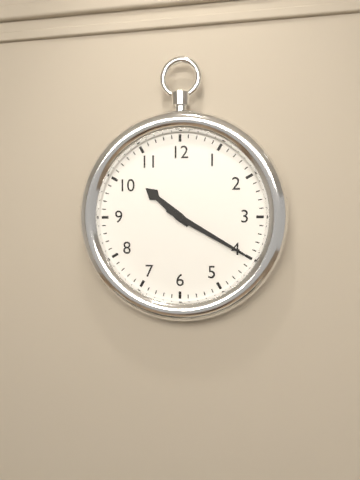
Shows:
10:20
